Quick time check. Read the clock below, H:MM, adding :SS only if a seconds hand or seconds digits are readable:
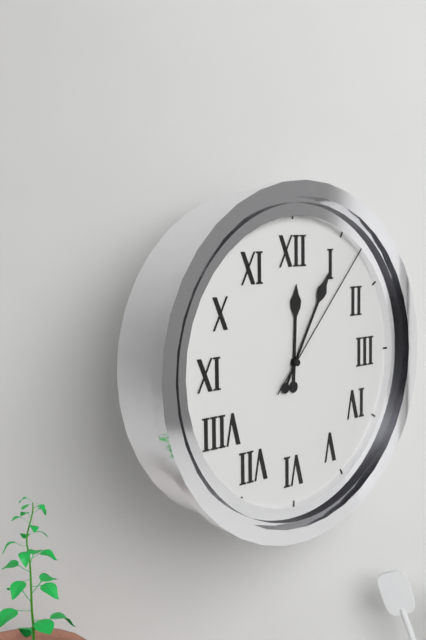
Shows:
12:05:07
